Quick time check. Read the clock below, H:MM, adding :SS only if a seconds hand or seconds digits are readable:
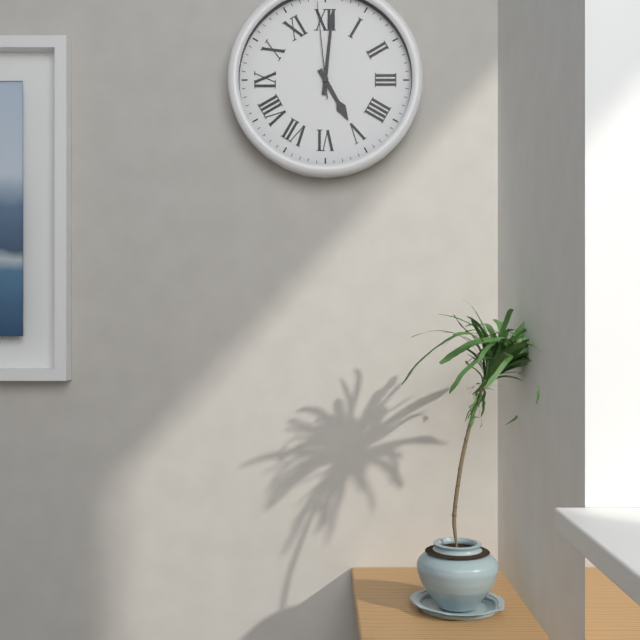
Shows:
5:01:59
